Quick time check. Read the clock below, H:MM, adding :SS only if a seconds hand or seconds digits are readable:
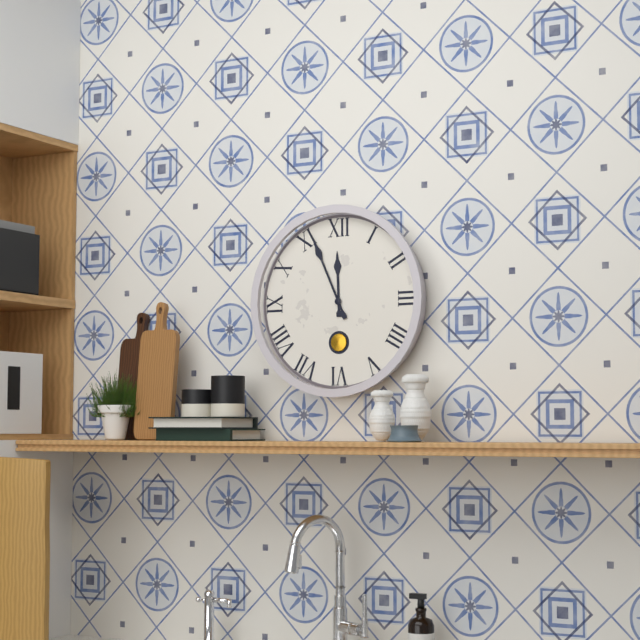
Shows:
11:56
